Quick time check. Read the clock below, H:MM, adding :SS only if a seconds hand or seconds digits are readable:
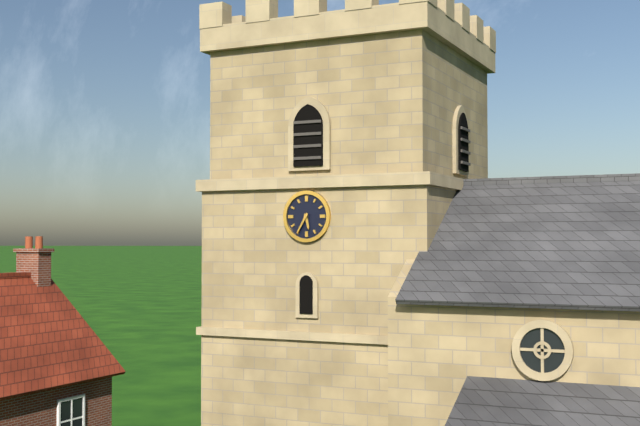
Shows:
5:35
